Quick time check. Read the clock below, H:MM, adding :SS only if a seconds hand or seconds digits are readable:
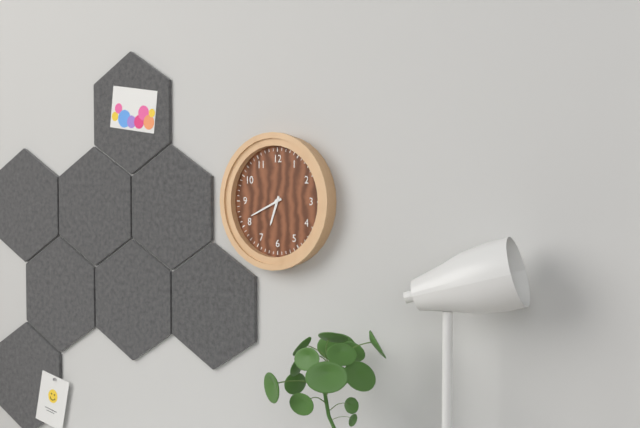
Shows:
6:41
